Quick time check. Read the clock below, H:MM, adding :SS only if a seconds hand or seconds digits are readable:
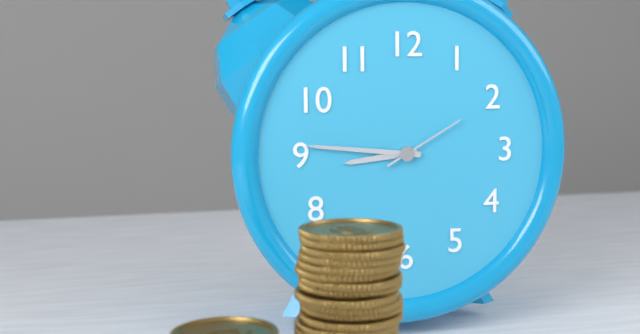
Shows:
8:46:10
